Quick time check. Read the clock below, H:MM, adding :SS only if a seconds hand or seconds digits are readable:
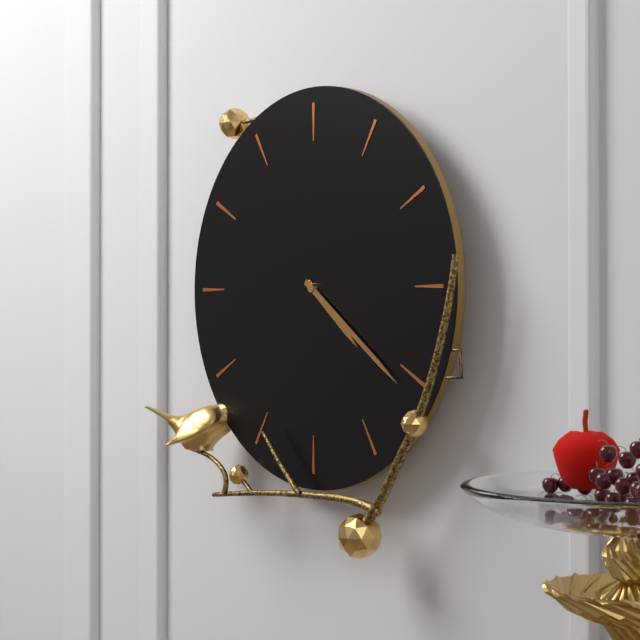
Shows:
4:21
